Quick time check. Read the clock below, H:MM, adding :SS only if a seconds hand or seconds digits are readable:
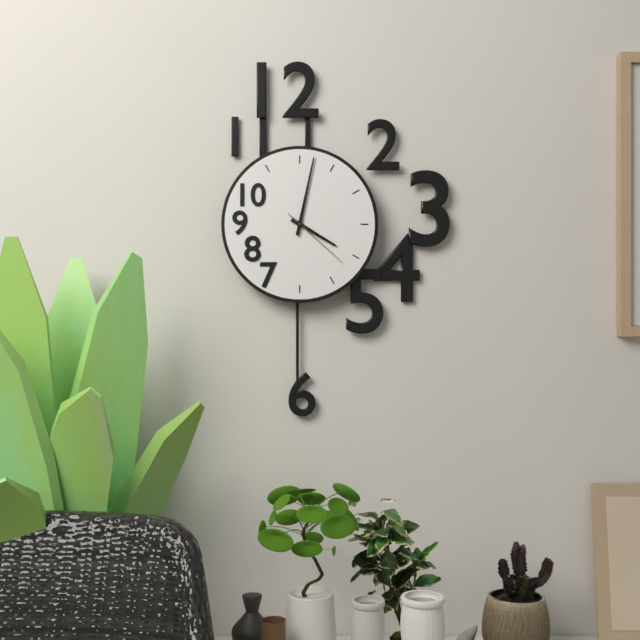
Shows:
4:02:22
